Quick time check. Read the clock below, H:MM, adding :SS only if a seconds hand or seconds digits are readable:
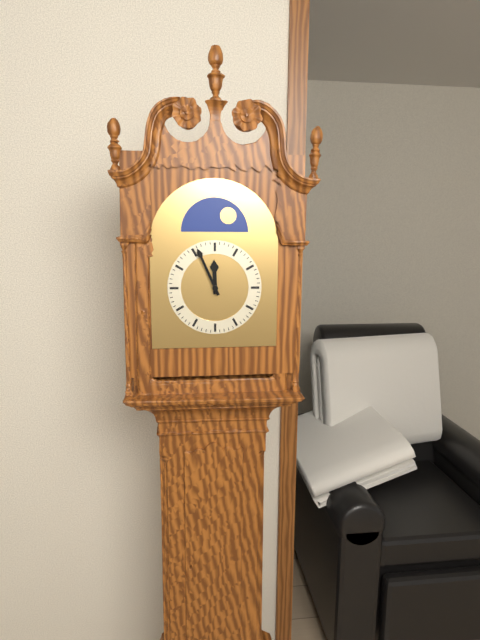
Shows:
11:56
